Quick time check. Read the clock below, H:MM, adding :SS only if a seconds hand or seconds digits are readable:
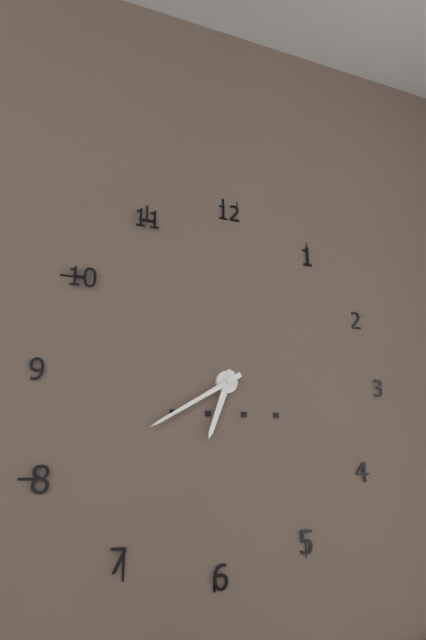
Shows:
6:40
